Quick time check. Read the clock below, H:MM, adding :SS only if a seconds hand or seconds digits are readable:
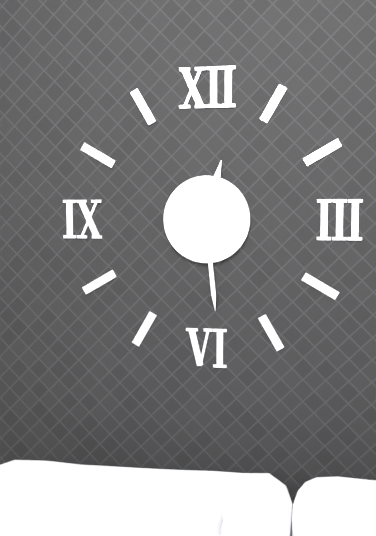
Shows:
12:29
